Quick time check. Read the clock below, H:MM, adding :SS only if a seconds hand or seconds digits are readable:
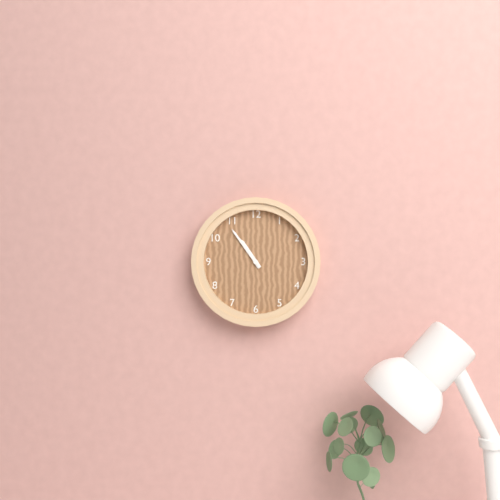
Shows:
10:54
